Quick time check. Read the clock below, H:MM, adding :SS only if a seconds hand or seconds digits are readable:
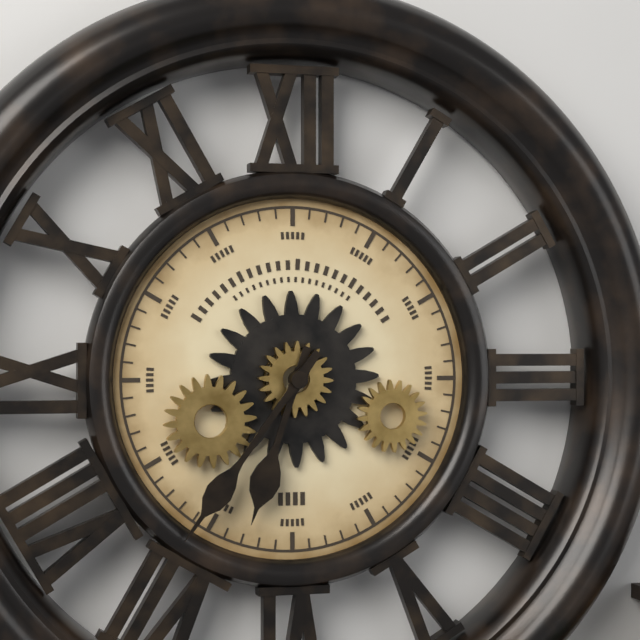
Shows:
6:36
